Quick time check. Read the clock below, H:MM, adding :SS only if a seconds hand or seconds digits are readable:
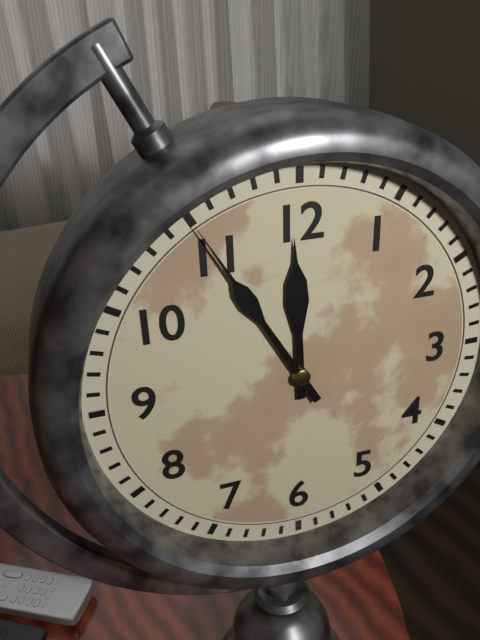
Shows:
11:55
